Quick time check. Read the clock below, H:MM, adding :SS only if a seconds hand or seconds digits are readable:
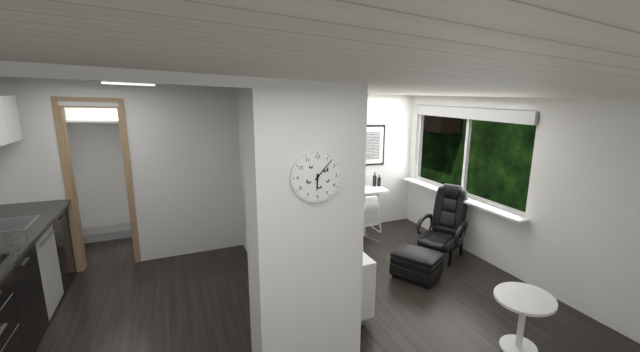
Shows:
6:07
